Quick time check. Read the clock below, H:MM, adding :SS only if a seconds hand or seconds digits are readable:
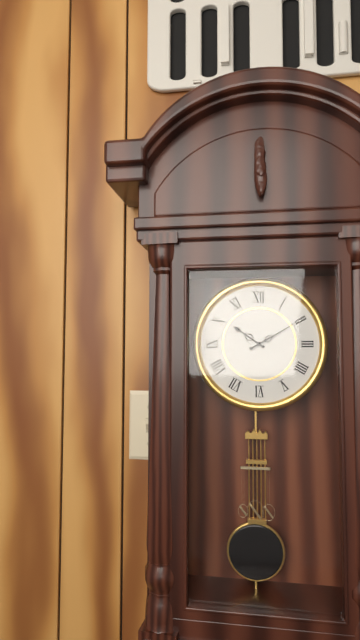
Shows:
10:10
